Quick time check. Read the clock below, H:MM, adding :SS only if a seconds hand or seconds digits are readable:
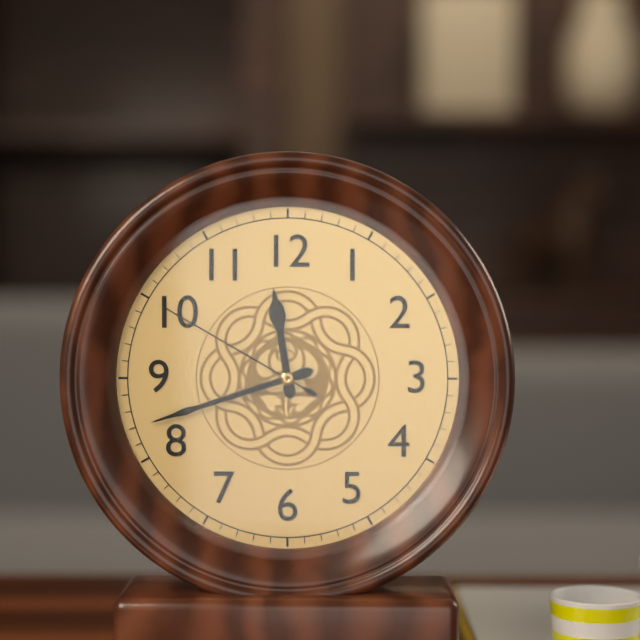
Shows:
11:42:50
